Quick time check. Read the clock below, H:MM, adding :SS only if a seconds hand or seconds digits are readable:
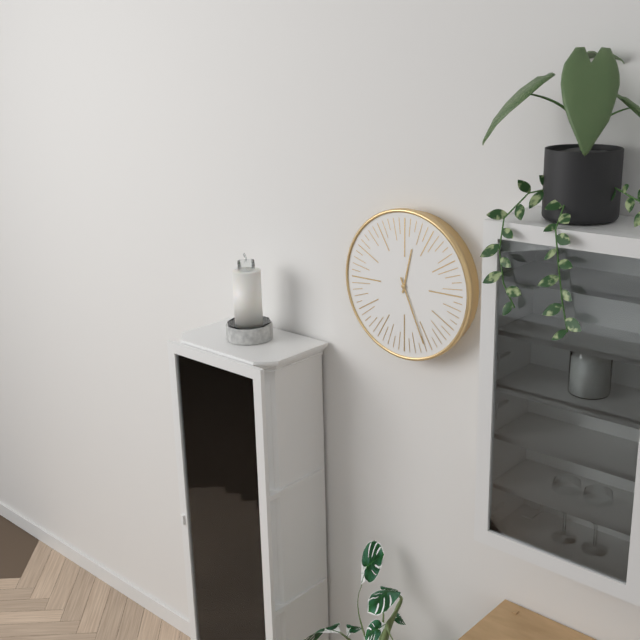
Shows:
12:26
